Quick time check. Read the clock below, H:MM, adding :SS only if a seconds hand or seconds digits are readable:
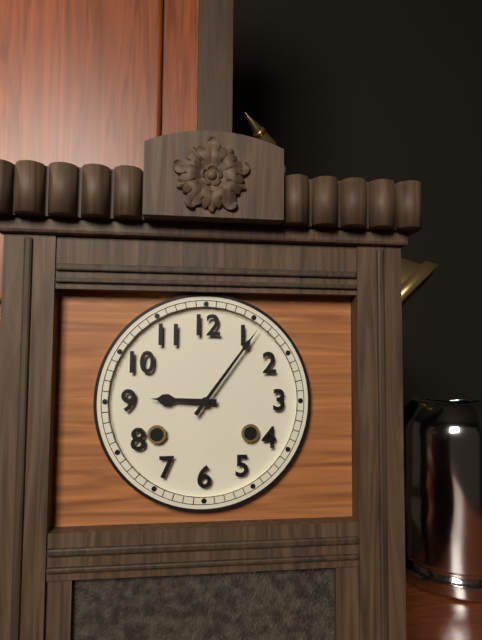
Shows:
9:06
